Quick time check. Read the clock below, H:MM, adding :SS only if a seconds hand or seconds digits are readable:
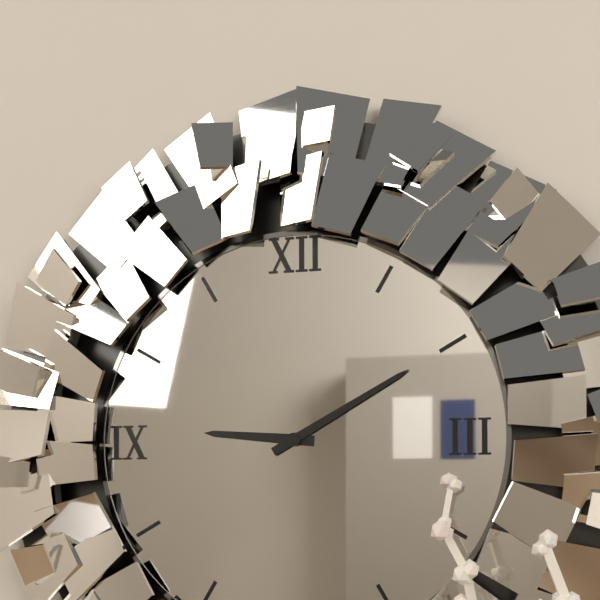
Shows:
9:10
